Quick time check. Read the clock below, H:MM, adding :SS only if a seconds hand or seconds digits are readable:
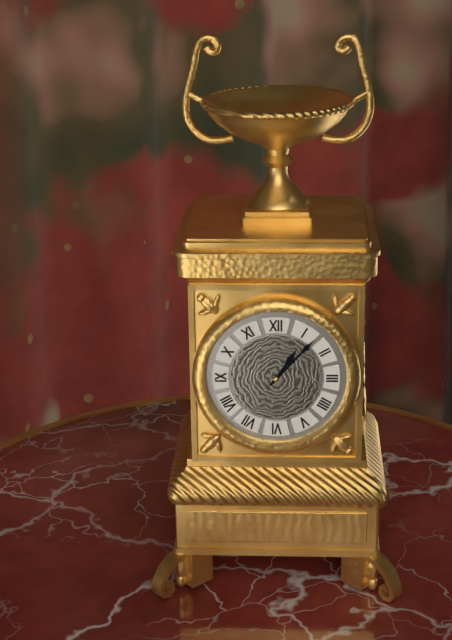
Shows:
1:07
